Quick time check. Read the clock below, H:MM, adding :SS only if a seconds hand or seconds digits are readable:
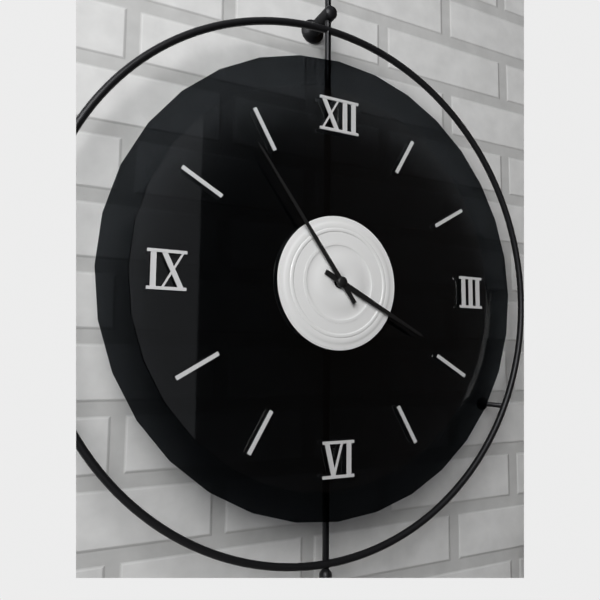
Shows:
3:54
